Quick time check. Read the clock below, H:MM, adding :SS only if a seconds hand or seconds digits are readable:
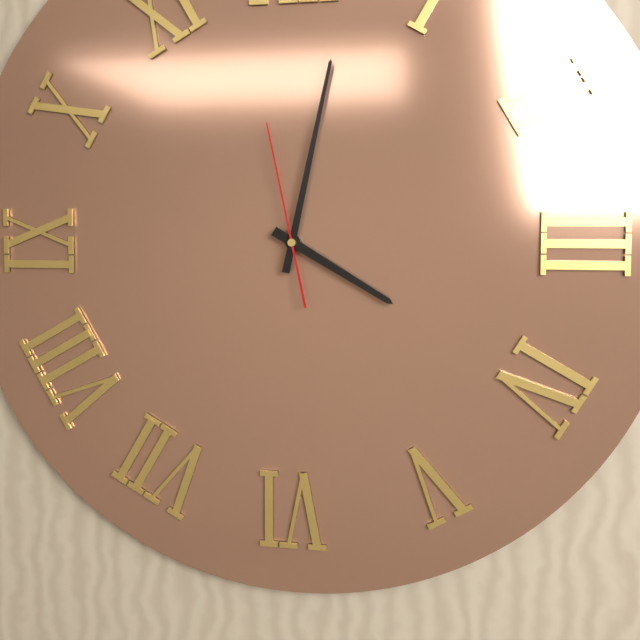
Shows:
4:02:58
